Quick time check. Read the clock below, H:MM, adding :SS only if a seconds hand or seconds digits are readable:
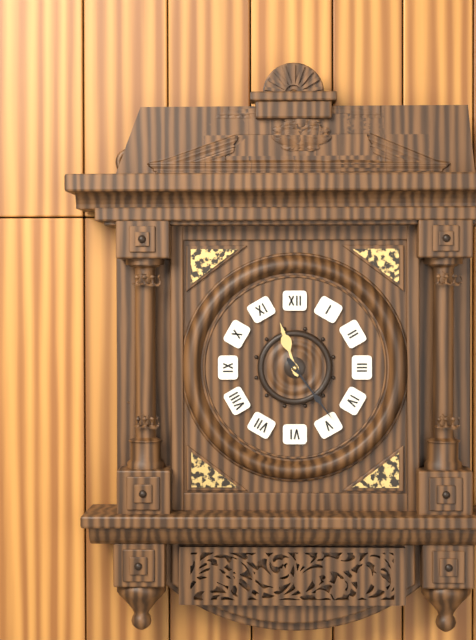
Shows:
11:24
